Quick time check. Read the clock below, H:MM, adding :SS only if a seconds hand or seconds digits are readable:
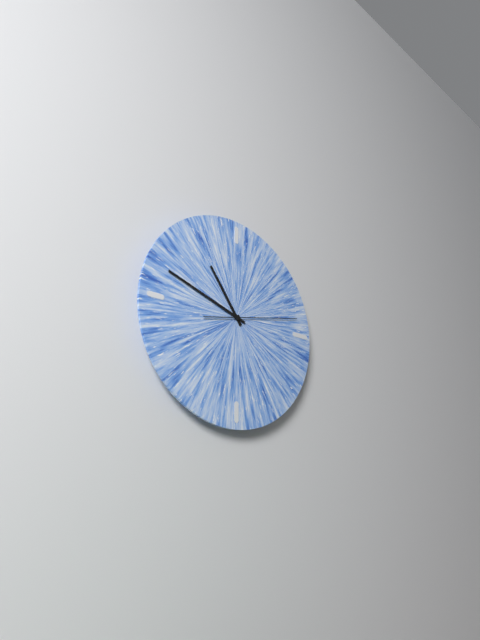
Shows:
10:48:13
